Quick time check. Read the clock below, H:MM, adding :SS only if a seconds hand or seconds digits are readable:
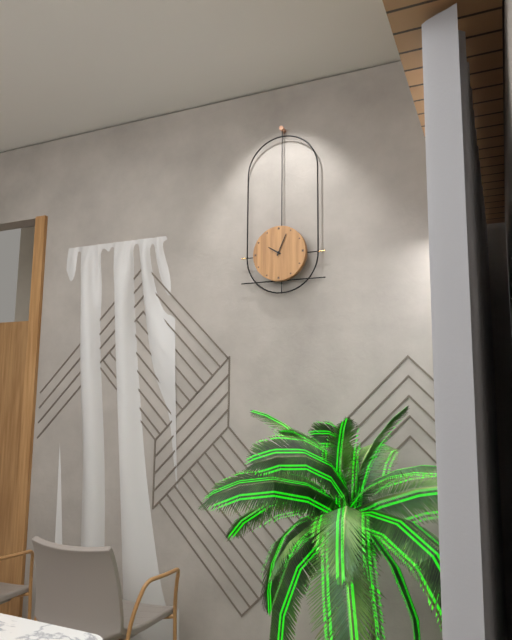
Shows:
10:04
